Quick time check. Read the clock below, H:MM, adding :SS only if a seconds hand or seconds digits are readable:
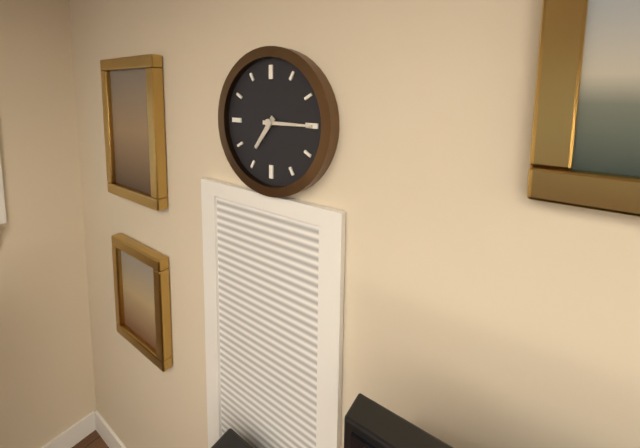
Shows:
7:15
